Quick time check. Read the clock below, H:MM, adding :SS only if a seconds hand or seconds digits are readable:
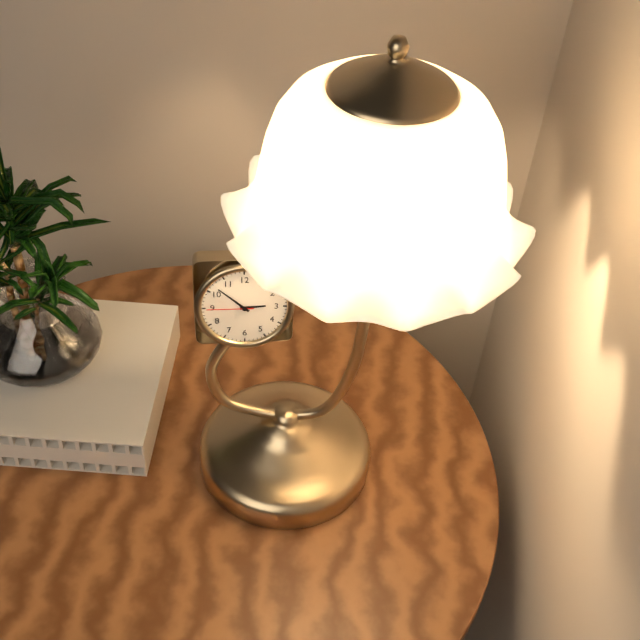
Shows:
2:52
